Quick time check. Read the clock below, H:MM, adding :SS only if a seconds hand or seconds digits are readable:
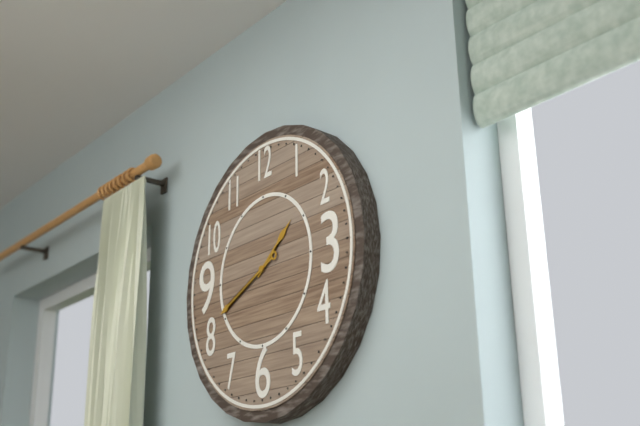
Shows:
1:41
